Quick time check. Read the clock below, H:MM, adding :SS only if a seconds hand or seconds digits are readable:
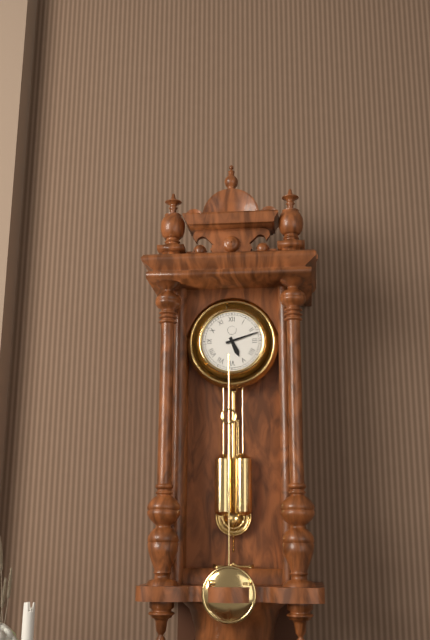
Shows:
5:12
